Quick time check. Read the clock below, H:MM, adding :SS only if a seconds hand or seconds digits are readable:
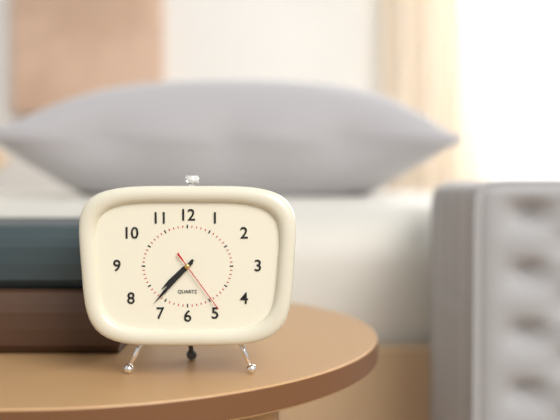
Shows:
7:37:24
